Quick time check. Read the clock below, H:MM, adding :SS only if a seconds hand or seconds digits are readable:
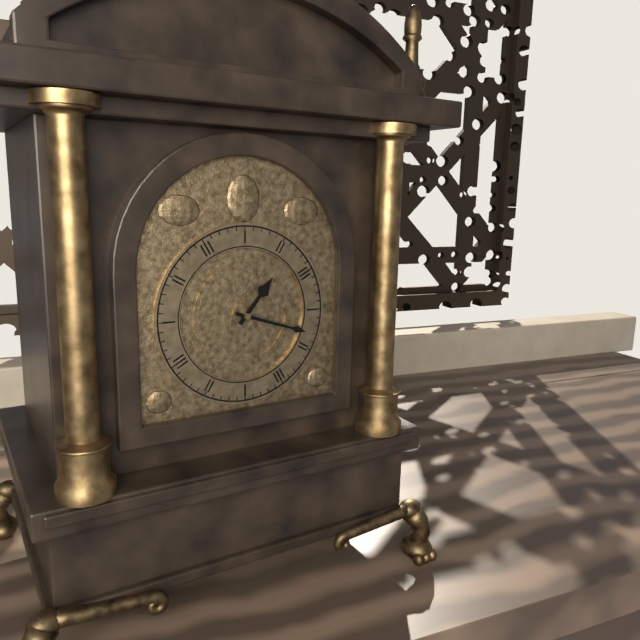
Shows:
1:18
